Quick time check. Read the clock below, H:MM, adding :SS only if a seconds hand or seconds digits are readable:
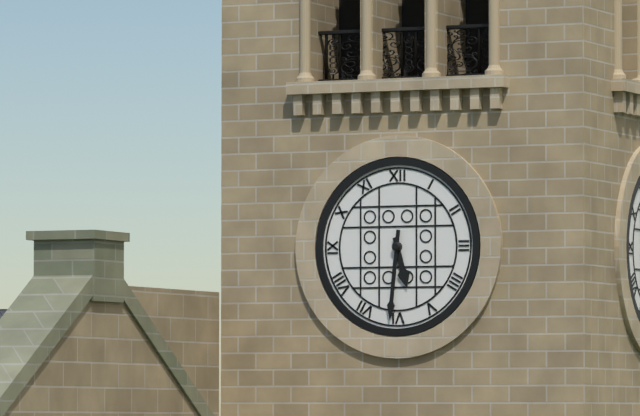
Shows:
5:31
